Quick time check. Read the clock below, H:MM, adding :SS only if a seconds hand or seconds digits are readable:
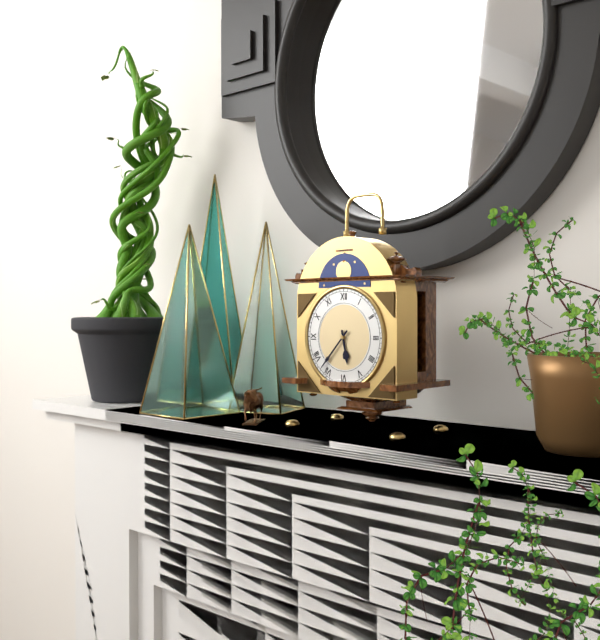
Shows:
5:37
